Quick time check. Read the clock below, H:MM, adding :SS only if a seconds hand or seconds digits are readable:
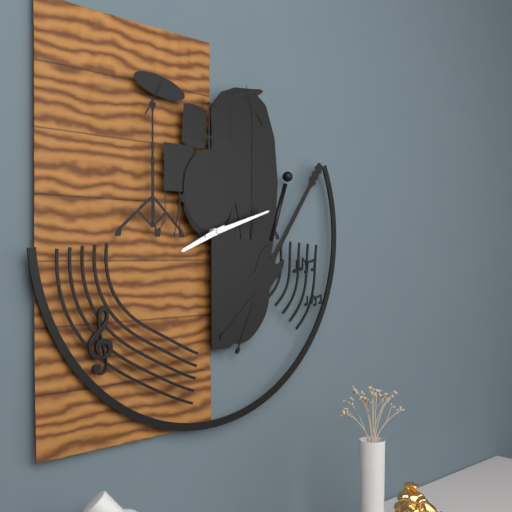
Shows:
8:12
